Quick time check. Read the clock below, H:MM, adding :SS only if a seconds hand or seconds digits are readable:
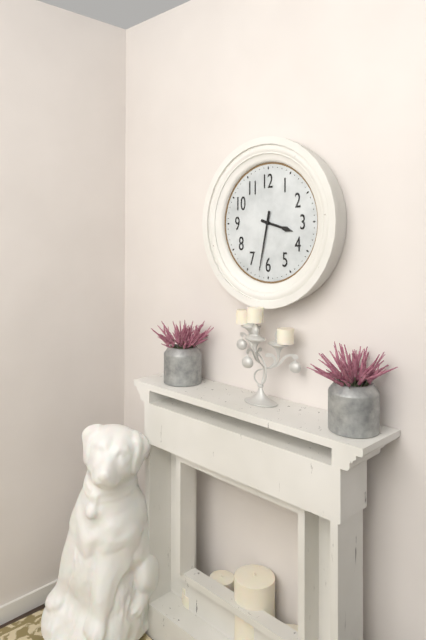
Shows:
3:32
